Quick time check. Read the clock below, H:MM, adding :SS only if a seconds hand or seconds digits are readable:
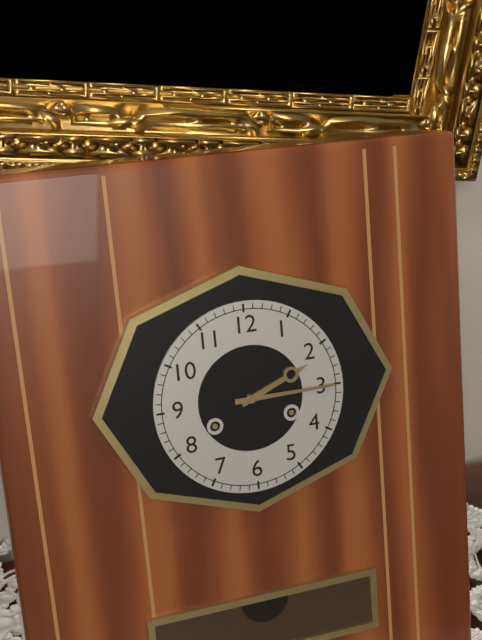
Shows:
2:15
